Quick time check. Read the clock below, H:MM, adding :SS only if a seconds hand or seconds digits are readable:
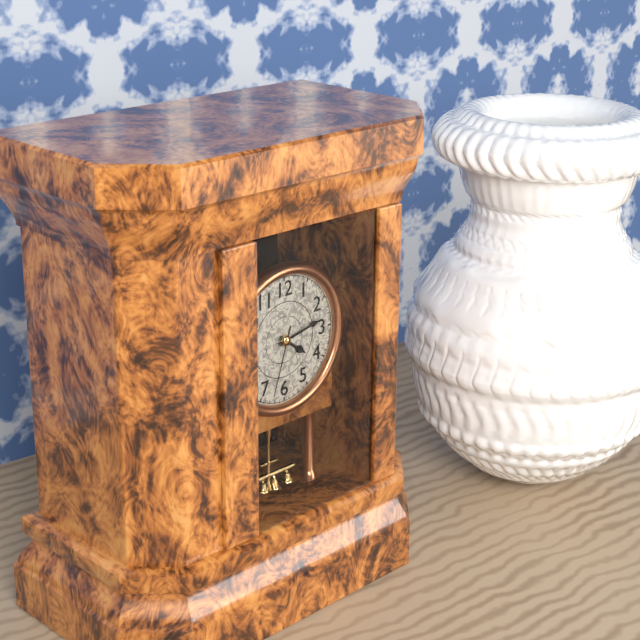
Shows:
4:13:33
